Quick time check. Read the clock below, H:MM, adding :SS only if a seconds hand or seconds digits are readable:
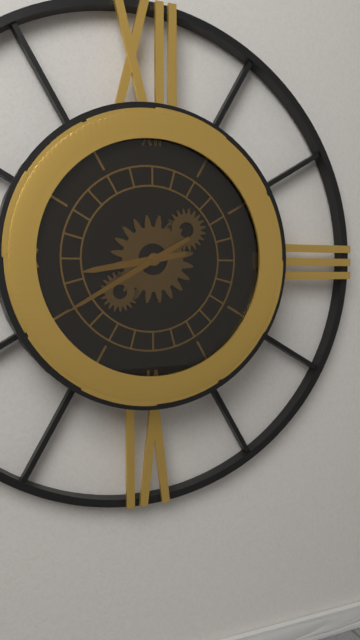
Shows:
8:40
